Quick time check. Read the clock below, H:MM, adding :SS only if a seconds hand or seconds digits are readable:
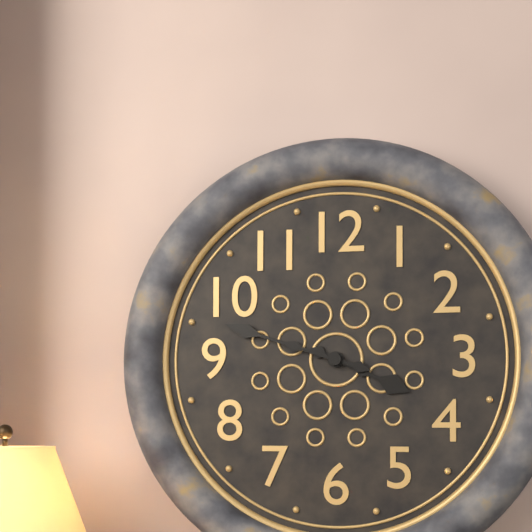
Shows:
3:48
